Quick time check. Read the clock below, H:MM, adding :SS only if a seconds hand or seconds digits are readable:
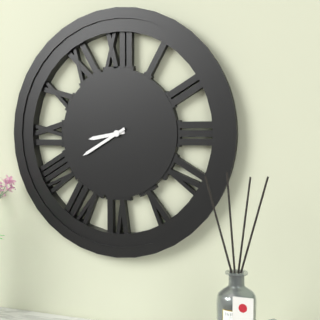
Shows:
8:40
